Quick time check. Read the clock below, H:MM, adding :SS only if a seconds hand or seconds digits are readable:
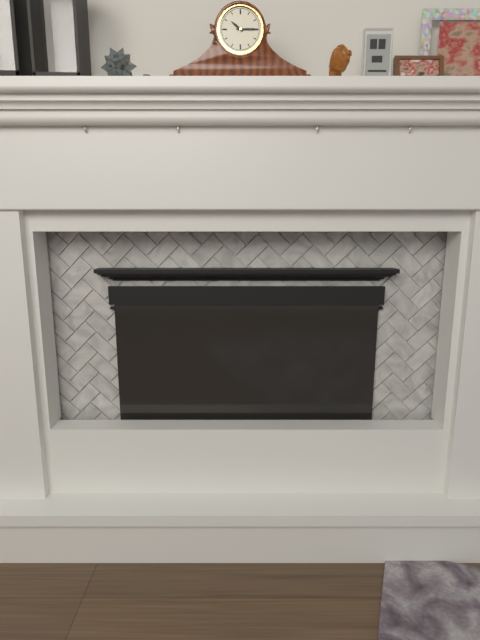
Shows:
10:15
